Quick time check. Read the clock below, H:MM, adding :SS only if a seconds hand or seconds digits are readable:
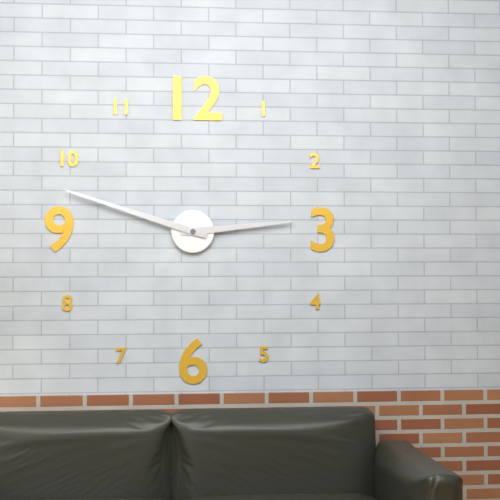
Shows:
2:48
